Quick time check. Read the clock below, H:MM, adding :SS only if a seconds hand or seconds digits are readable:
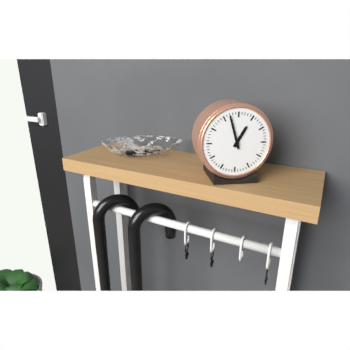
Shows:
12:57
